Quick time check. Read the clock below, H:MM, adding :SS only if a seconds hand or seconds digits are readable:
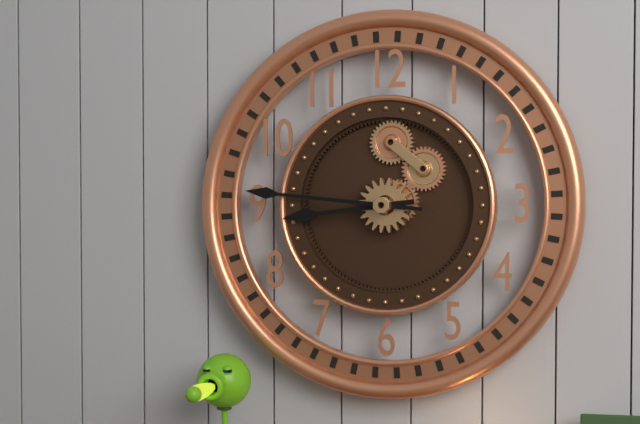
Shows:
8:46
